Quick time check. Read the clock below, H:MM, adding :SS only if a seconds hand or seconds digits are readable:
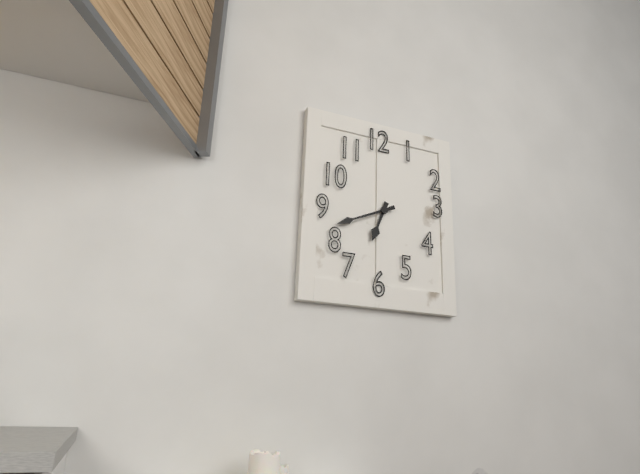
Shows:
6:41
